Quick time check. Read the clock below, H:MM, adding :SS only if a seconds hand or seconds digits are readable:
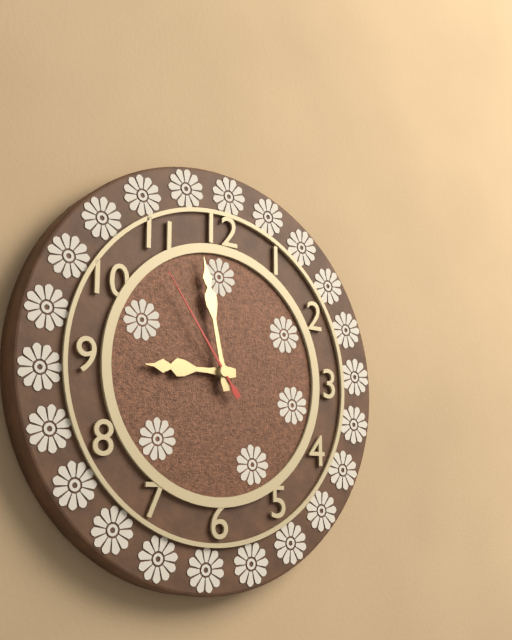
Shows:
8:58:54
